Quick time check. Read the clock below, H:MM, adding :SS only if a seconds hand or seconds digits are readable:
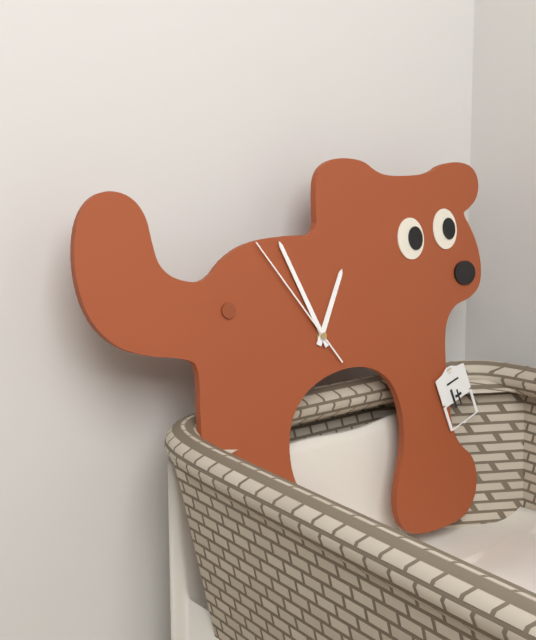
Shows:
12:56:54
